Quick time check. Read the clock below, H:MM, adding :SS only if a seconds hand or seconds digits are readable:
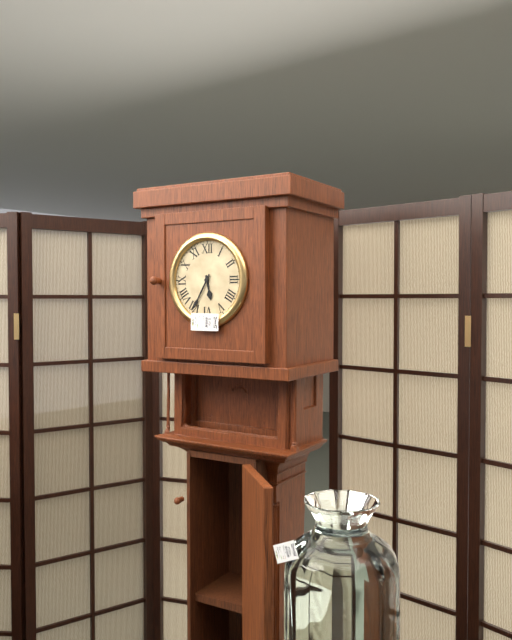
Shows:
5:35
